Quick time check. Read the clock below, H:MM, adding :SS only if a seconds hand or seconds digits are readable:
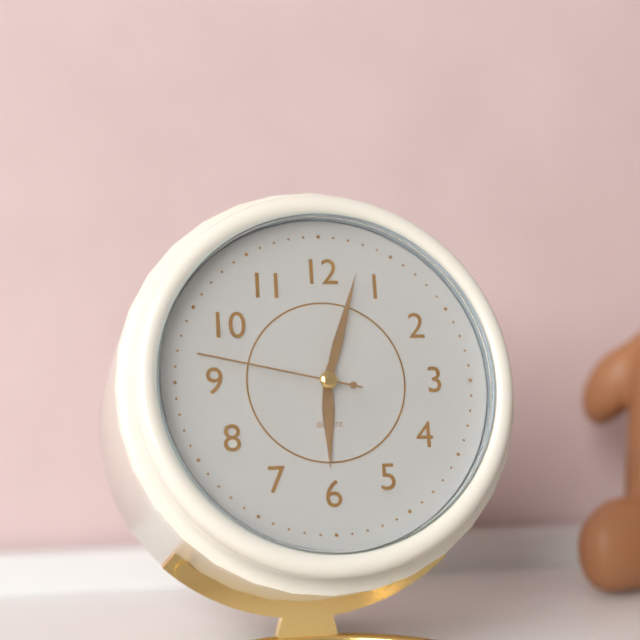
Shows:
6:03:47
